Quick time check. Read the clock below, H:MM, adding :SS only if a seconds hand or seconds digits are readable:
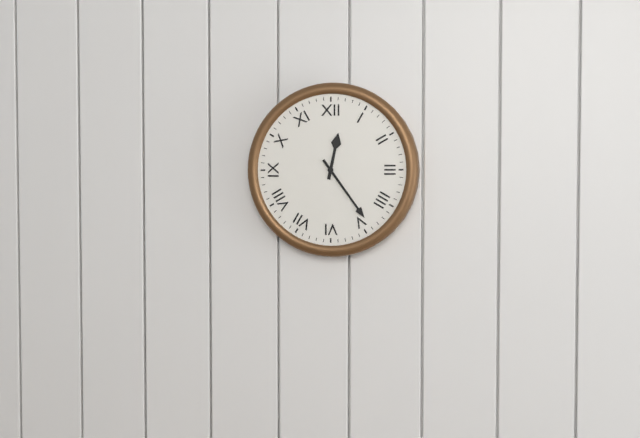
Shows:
12:24
